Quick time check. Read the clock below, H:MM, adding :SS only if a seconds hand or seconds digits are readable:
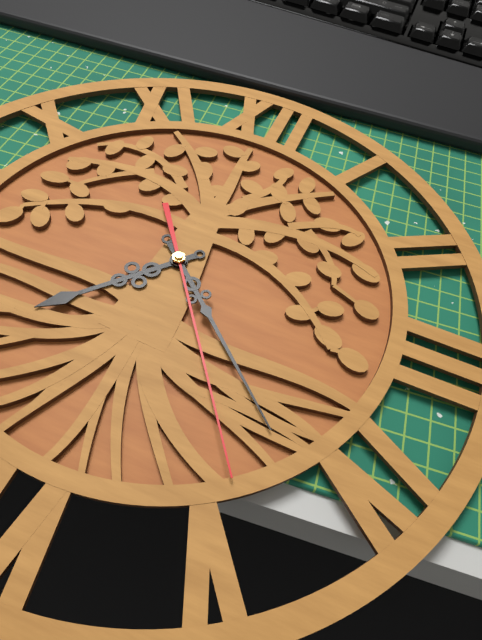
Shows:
7:22:24
